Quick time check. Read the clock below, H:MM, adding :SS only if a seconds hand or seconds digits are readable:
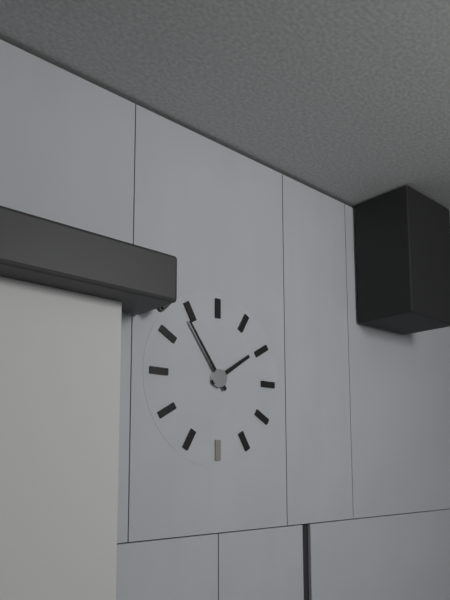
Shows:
1:54
